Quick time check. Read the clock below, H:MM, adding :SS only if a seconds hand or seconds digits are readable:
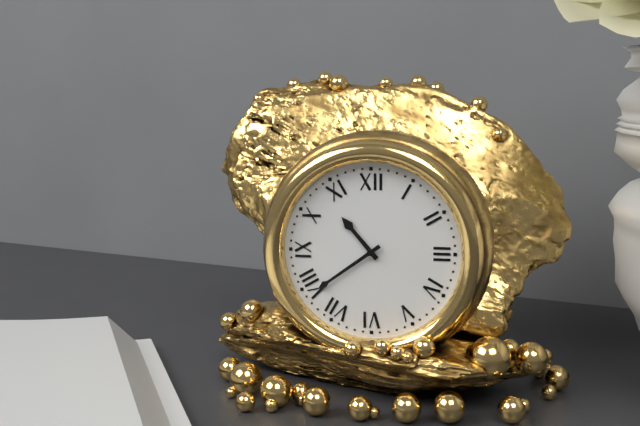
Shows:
10:39
